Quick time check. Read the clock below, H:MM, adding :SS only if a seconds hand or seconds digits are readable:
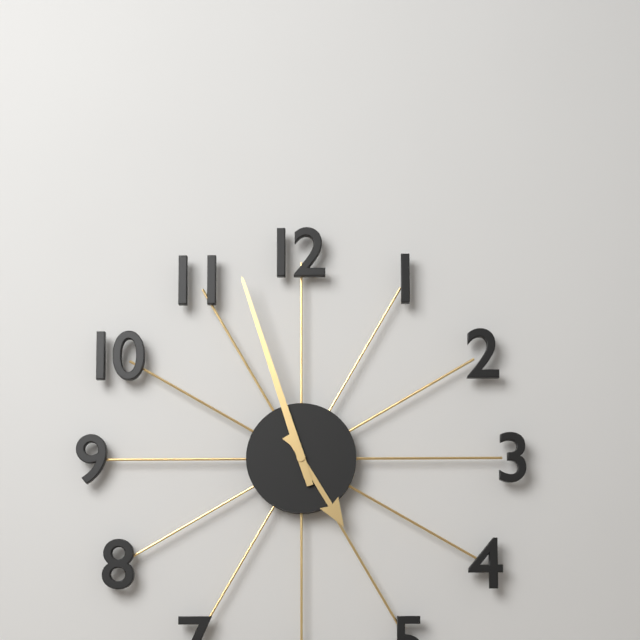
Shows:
4:57
